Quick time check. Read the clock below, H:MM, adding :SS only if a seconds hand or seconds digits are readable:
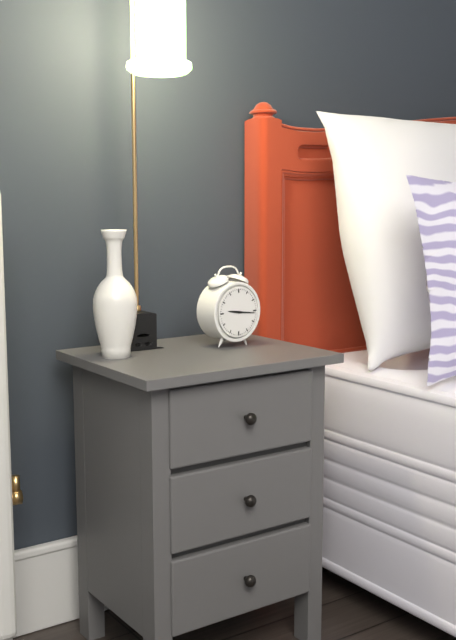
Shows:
9:16
